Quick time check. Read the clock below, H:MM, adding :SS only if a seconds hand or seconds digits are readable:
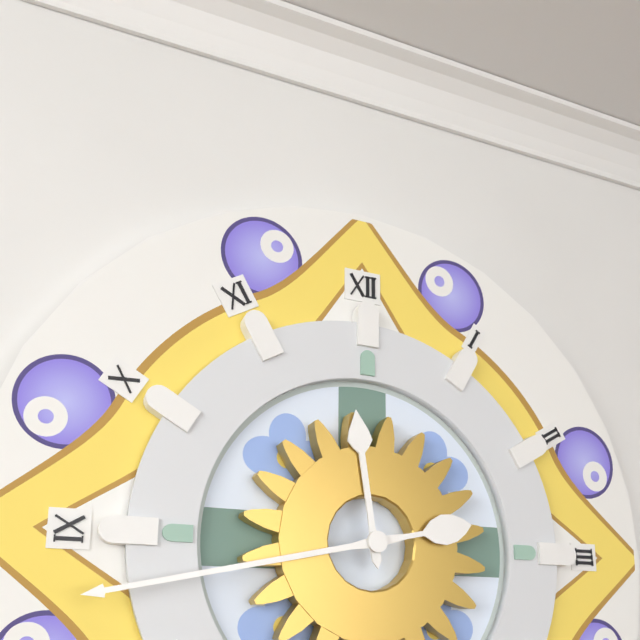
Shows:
11:43
